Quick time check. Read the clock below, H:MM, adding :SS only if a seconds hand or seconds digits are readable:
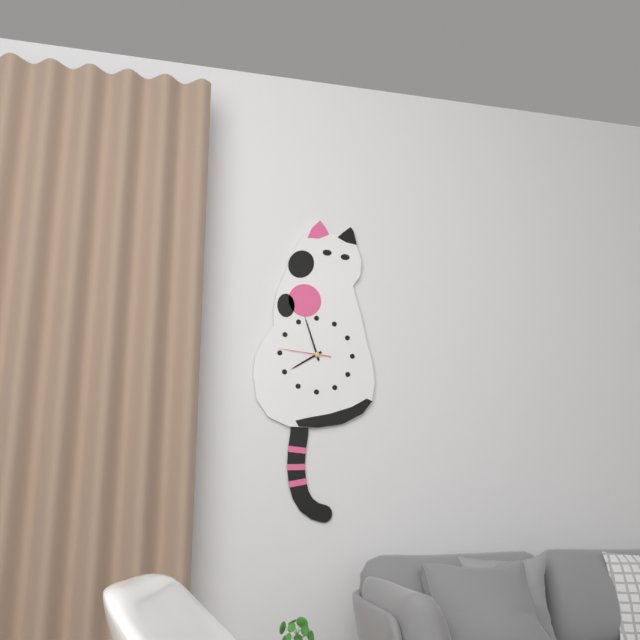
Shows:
7:57
